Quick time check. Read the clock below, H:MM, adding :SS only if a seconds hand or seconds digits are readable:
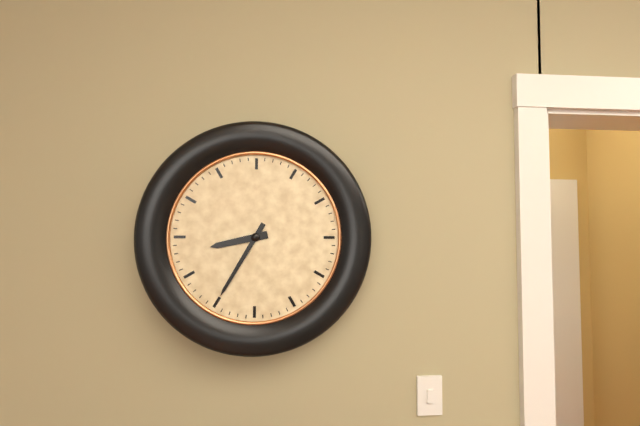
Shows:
8:35
